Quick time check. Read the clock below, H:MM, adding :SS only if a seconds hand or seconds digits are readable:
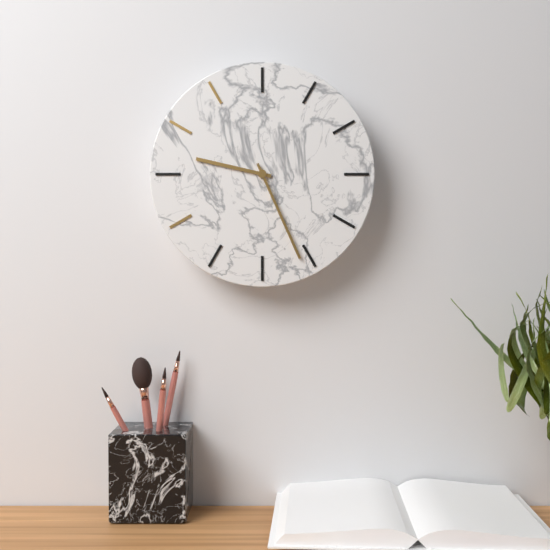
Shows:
9:26
